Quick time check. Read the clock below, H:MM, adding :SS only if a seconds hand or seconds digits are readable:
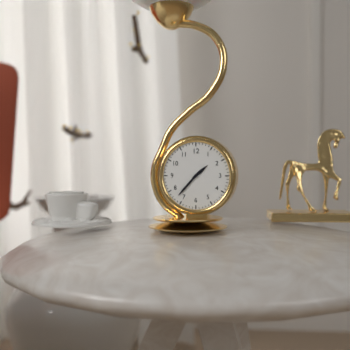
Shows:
1:37
